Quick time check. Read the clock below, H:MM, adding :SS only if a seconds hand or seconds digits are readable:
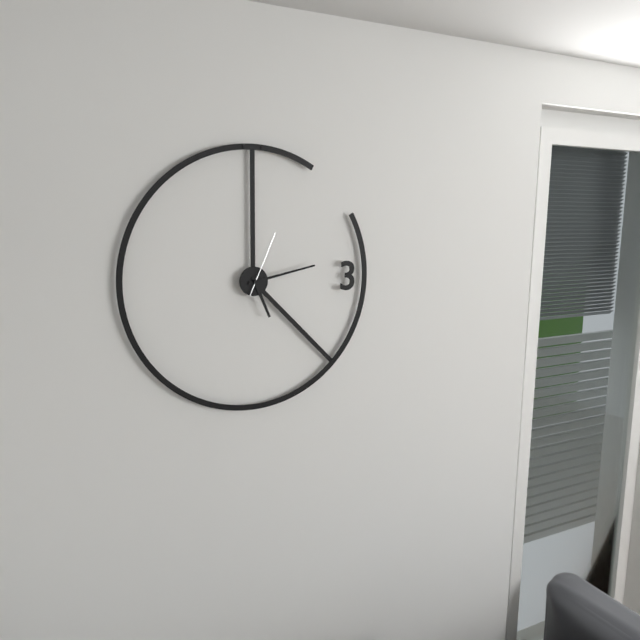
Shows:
5:13:04
